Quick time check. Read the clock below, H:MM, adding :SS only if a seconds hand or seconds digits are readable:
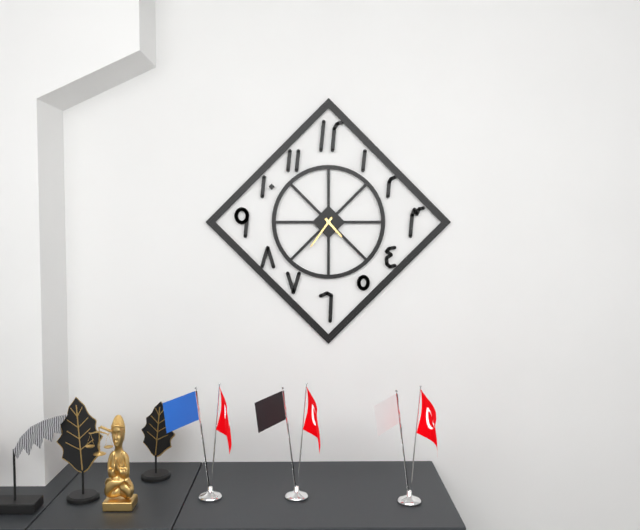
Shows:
4:36
